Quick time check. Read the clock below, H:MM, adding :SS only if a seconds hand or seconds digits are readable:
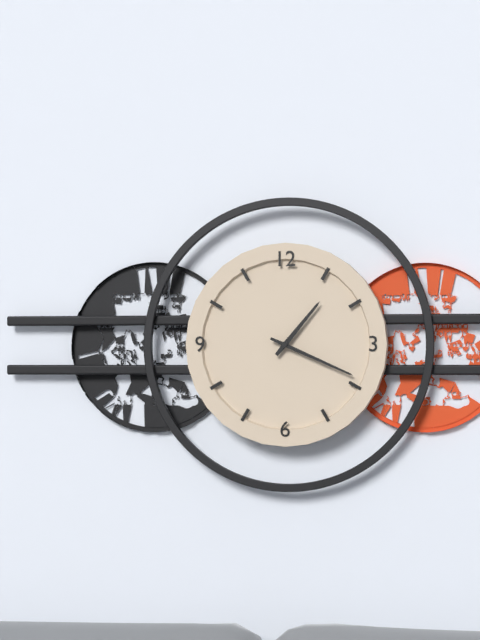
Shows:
1:19
